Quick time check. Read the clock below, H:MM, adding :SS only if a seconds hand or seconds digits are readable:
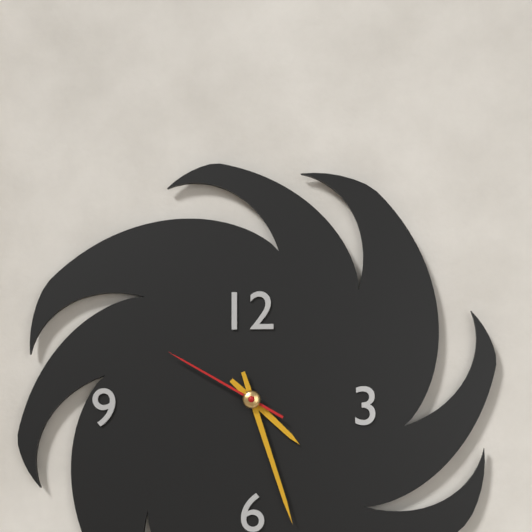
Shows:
4:27:50
